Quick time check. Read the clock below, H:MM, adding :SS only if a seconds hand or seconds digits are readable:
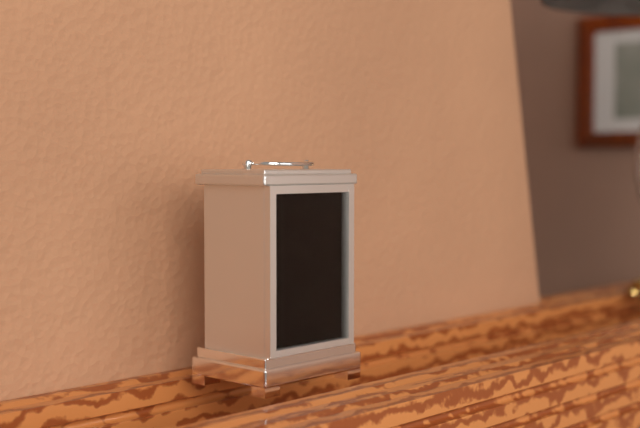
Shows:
1:23
